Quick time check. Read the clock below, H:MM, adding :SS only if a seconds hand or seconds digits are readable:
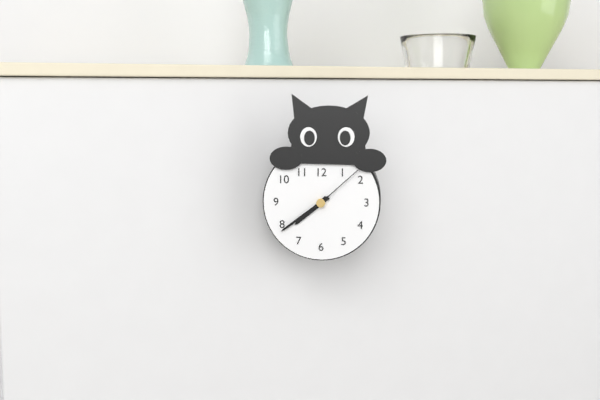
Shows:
7:39:08
